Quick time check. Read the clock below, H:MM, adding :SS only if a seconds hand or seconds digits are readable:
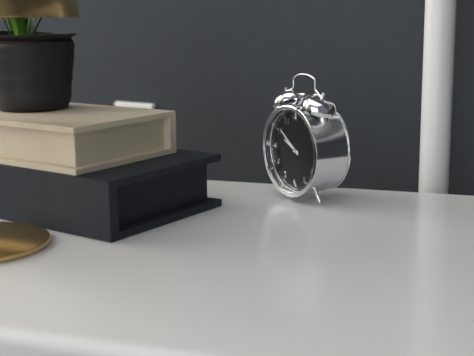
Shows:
9:51
